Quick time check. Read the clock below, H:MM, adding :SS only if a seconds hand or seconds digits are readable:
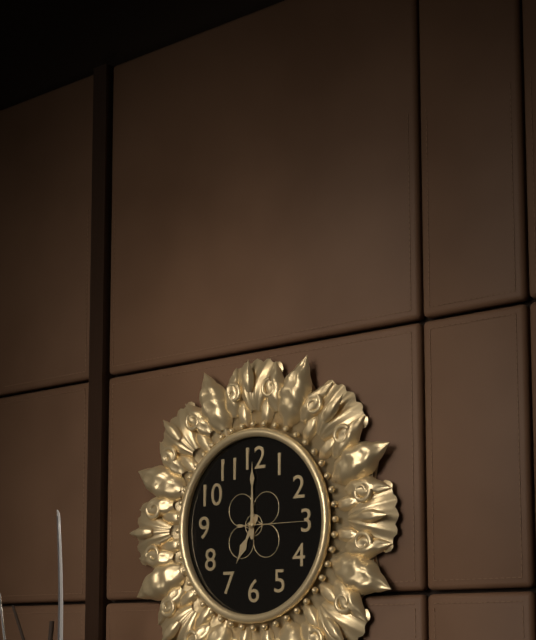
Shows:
7:00:15
